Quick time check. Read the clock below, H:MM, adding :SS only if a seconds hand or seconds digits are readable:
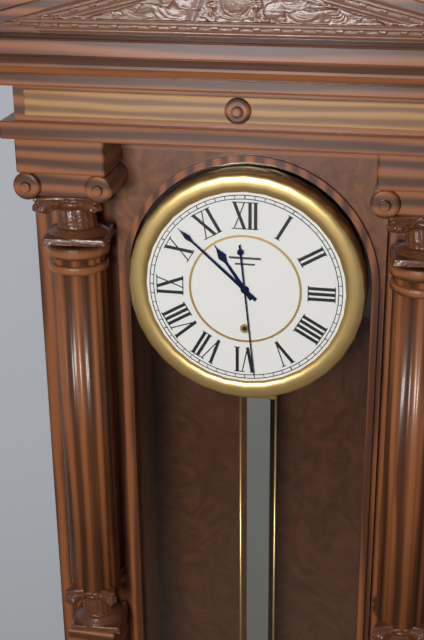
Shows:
10:52:29
